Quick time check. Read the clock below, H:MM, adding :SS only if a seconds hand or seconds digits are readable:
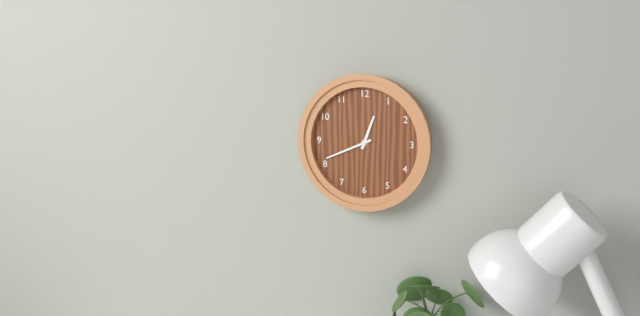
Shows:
12:41
